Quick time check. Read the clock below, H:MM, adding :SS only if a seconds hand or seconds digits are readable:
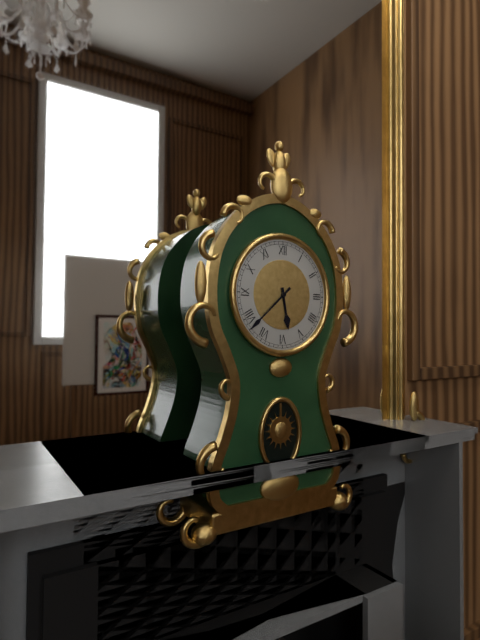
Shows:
5:38
